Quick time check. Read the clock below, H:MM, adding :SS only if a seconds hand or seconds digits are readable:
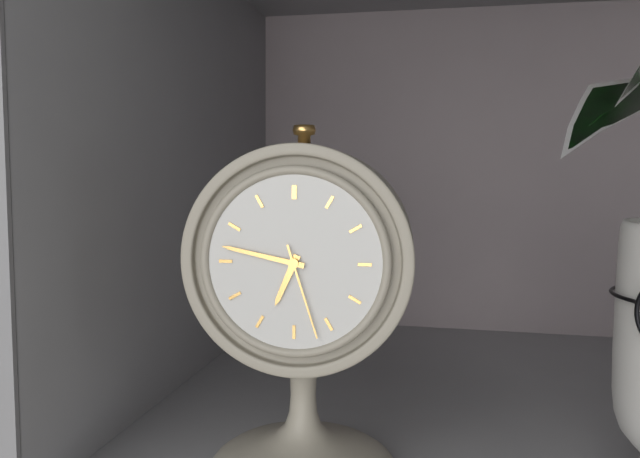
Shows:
6:47:27
